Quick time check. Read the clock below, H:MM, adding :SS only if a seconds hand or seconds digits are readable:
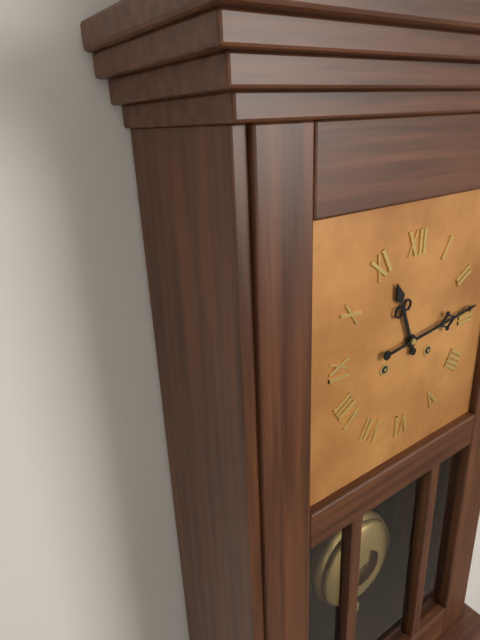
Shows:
11:14
